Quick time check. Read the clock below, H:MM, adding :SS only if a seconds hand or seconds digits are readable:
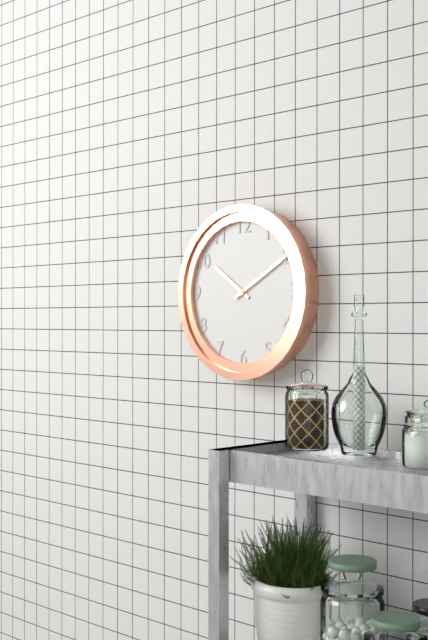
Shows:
10:10
